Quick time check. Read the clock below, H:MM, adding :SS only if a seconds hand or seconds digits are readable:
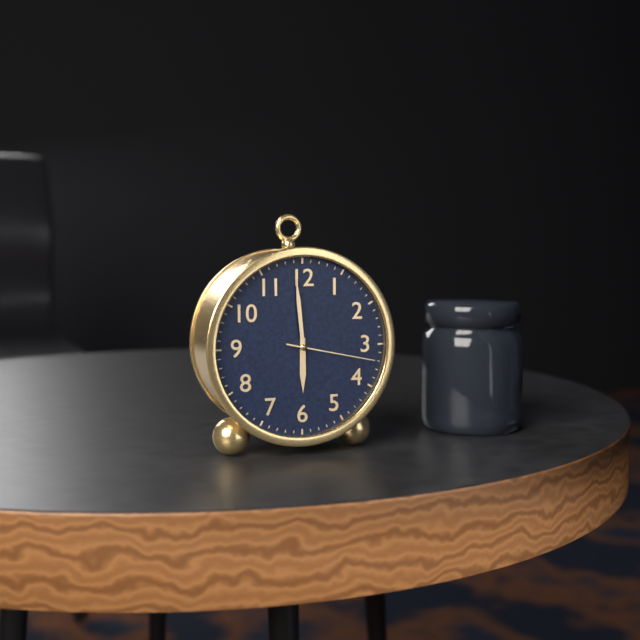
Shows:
5:59:17
